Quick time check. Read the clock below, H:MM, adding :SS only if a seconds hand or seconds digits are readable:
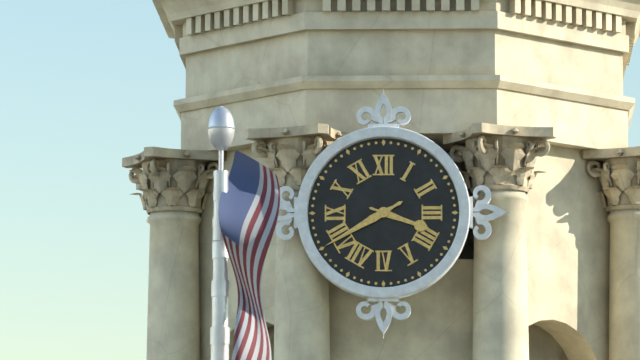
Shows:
3:40
